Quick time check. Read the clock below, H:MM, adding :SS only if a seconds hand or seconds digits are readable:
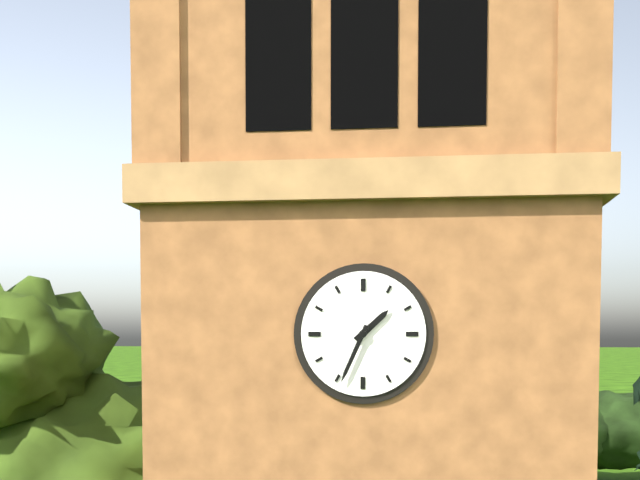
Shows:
1:34
